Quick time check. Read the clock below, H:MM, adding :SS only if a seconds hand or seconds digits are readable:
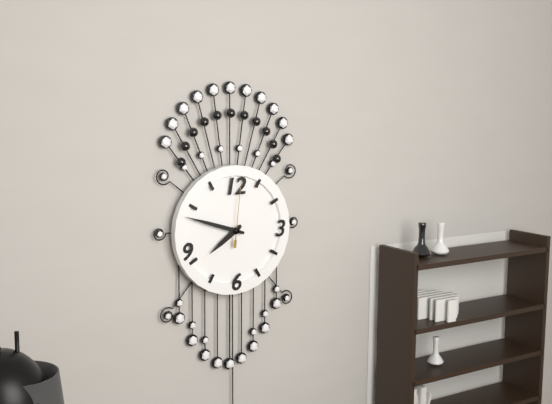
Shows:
7:48:01
